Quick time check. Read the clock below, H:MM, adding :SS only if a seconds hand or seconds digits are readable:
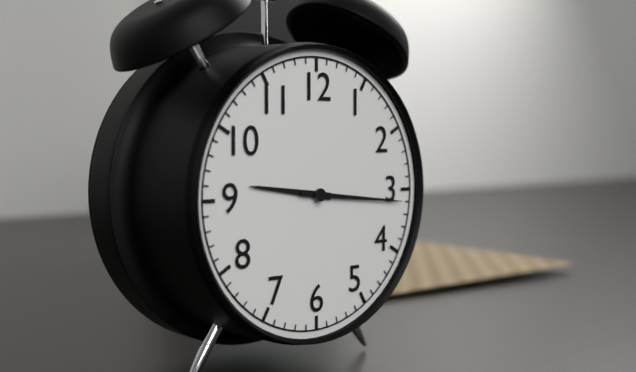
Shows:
9:16
